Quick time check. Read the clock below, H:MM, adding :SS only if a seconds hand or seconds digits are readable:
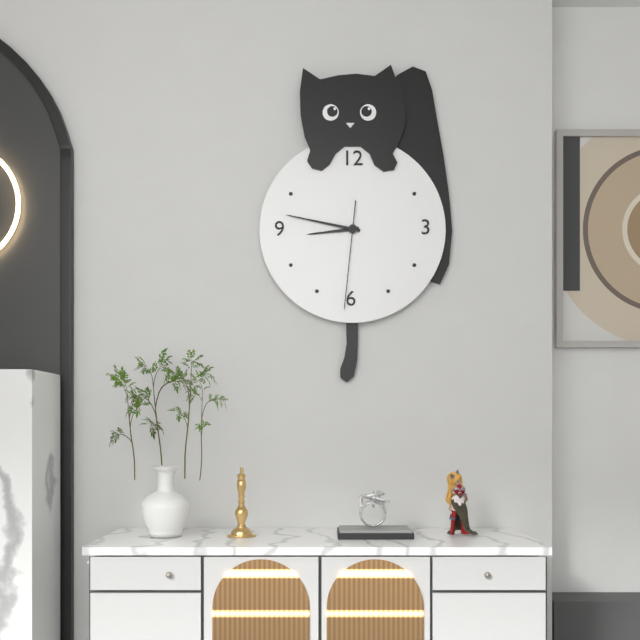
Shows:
8:47:31
